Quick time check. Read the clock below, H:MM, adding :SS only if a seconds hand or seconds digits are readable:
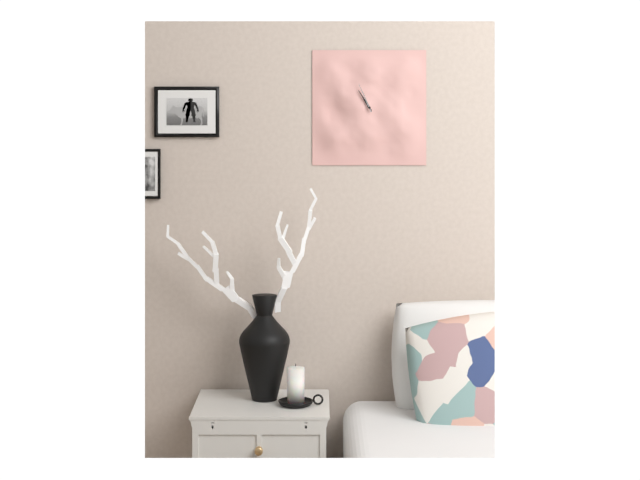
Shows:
10:56
